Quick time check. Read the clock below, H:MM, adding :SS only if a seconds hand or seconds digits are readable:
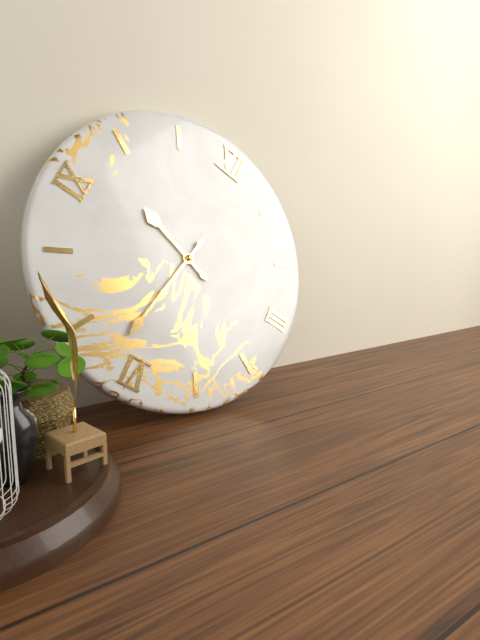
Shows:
9:32
